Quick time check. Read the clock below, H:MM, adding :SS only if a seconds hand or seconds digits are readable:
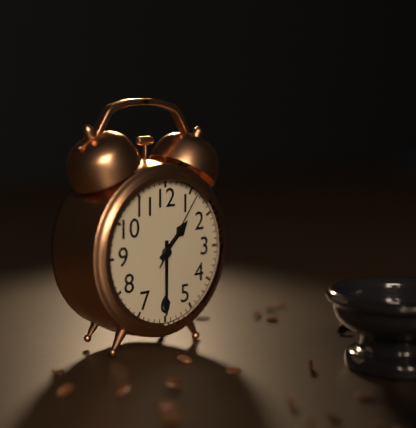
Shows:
1:30:06
